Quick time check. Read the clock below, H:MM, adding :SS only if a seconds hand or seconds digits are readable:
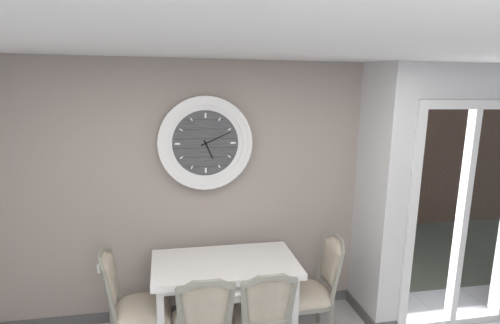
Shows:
5:11
